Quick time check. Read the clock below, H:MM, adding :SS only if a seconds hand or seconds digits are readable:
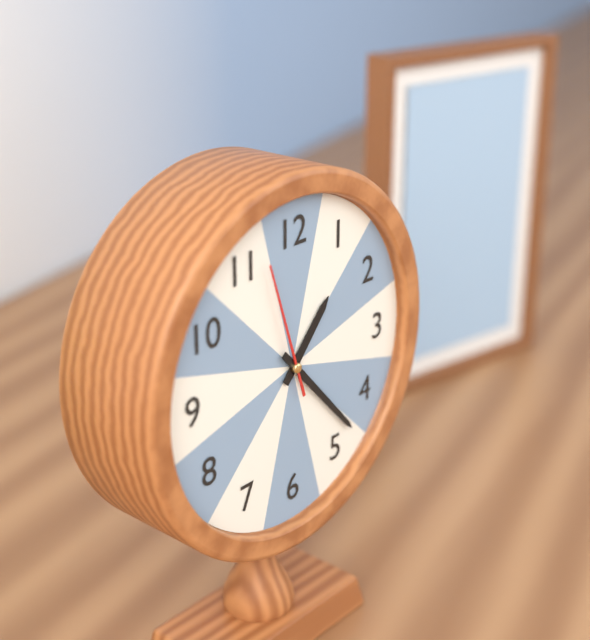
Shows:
1:23:57
